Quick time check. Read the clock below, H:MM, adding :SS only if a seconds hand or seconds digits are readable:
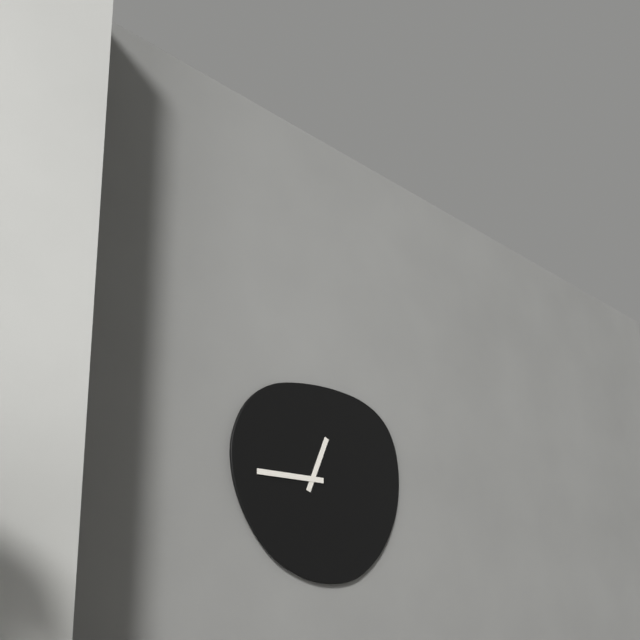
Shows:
12:45
